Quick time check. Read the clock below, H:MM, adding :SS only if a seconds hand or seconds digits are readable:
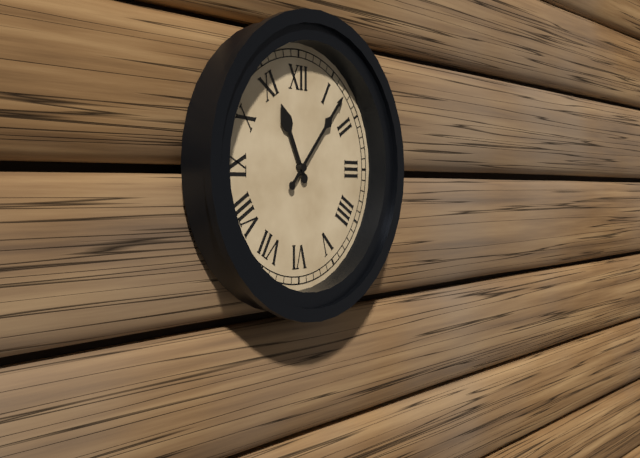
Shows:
11:07
